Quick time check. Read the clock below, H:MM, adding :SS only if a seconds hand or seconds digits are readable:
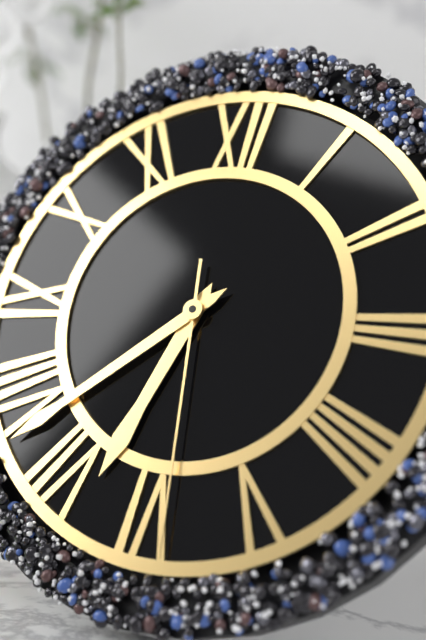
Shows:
6:38:29
